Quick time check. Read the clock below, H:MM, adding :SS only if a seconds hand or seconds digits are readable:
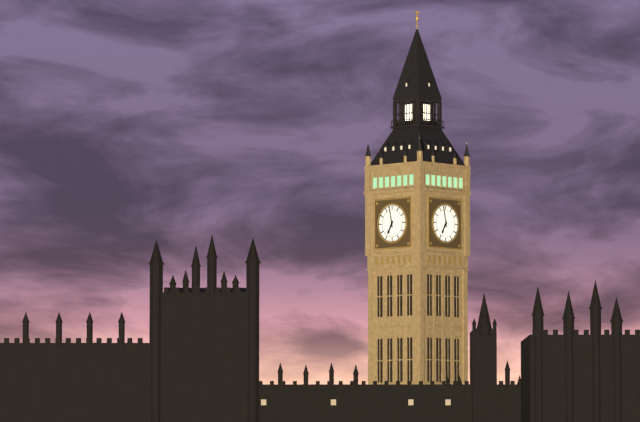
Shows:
6:58
